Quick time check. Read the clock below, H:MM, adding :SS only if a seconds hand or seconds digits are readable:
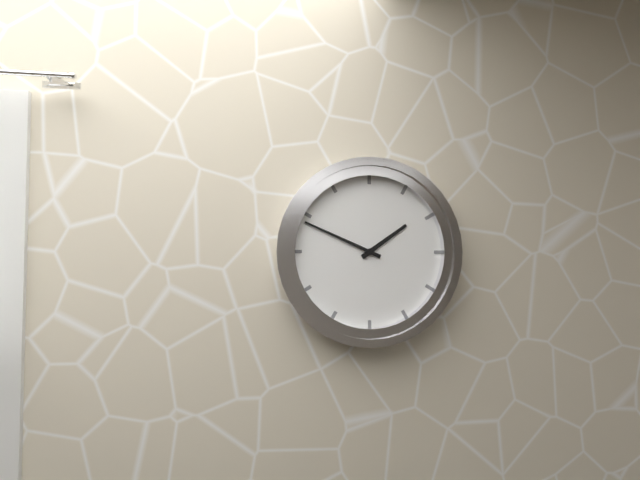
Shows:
1:49
